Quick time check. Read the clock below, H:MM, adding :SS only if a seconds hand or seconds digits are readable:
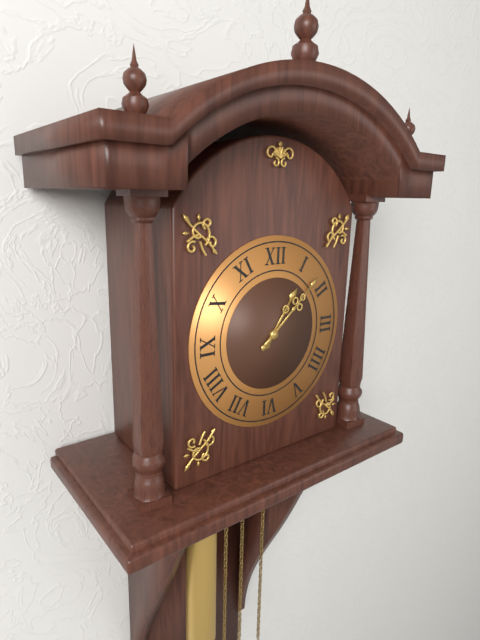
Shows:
1:08
